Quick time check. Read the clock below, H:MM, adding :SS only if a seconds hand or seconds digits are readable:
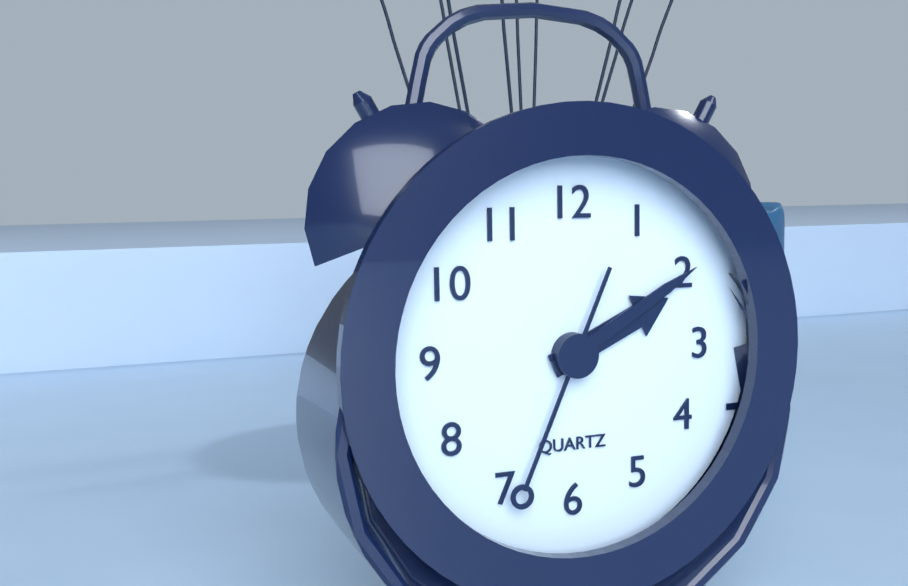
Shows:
2:10:34
